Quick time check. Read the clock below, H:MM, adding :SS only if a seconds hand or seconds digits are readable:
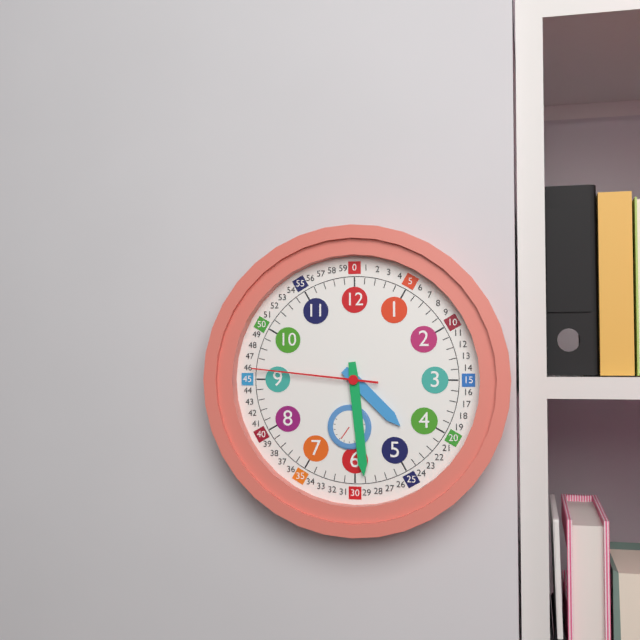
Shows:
4:29:46
